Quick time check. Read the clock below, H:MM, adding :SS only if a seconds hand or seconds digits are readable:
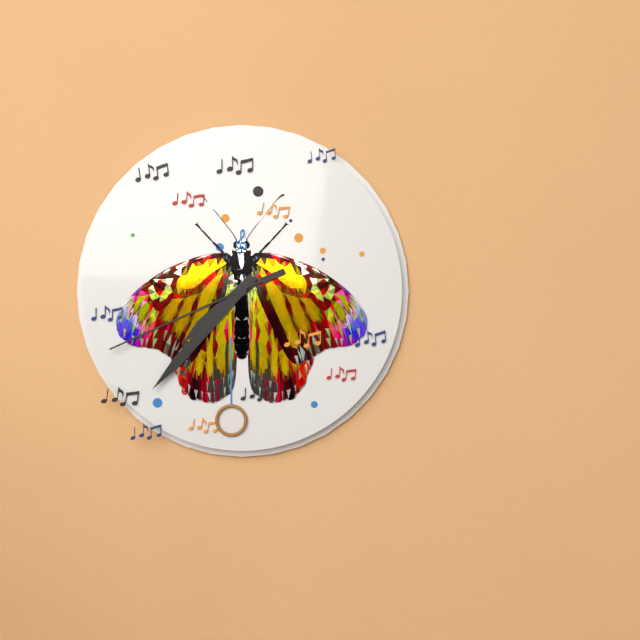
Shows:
7:37:41
